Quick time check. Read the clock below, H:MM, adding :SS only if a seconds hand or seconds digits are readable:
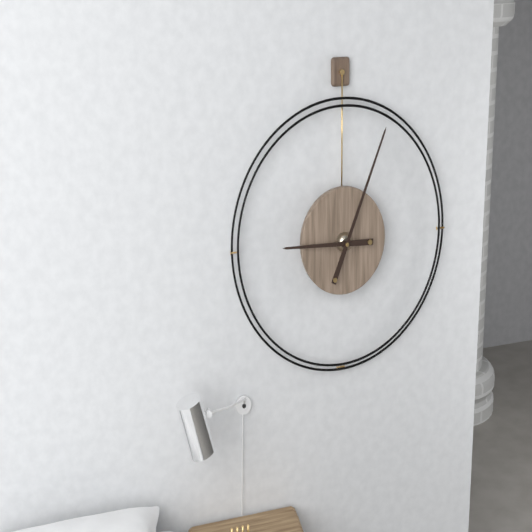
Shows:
9:04
